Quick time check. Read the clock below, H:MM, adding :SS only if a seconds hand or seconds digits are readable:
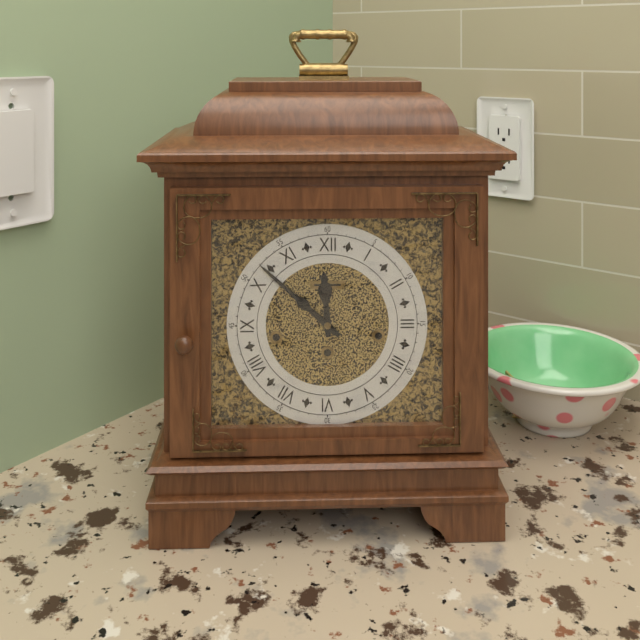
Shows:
11:52
